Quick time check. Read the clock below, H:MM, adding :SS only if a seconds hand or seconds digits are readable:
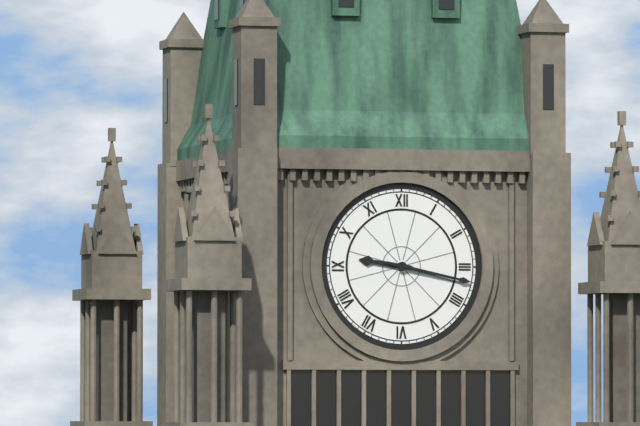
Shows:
9:17
